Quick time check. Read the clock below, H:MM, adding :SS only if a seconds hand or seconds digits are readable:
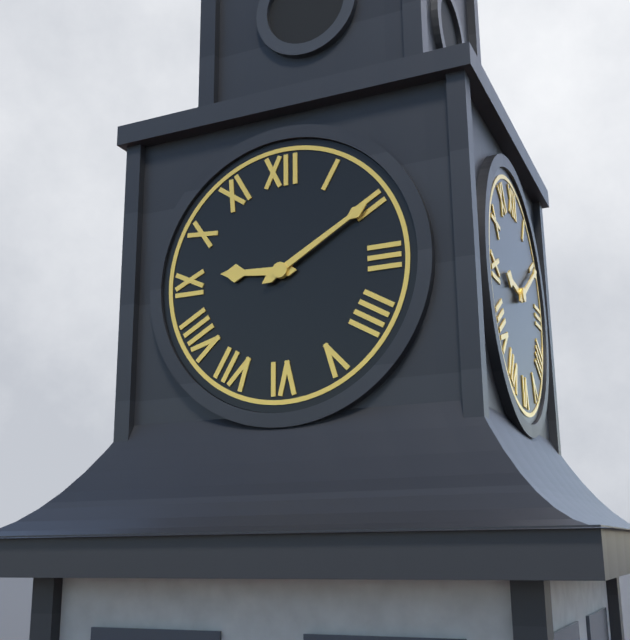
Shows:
9:10
